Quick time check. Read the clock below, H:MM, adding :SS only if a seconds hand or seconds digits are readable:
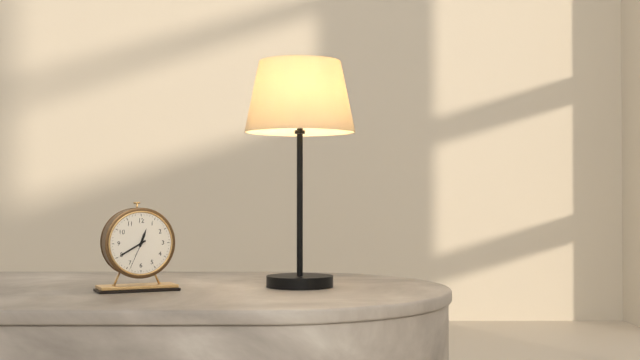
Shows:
12:40
